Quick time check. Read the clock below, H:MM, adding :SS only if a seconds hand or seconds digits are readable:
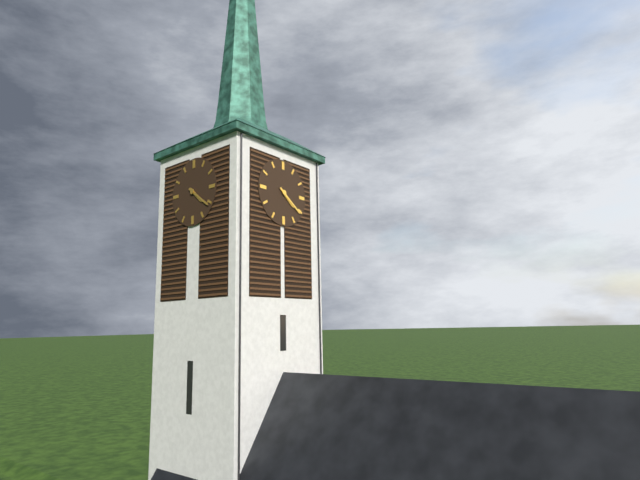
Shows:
4:21
